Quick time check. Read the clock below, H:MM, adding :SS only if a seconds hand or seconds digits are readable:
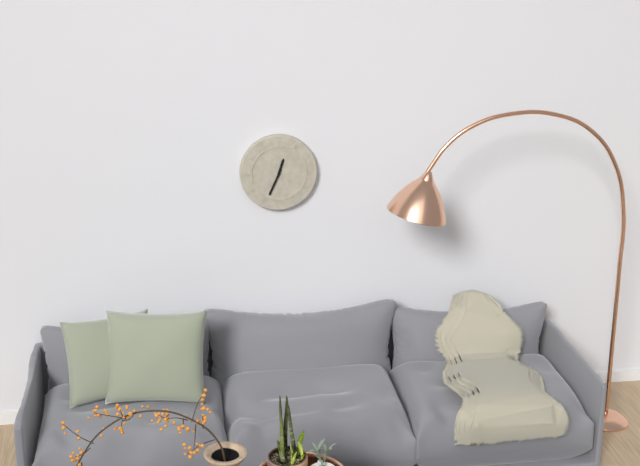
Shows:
12:34
